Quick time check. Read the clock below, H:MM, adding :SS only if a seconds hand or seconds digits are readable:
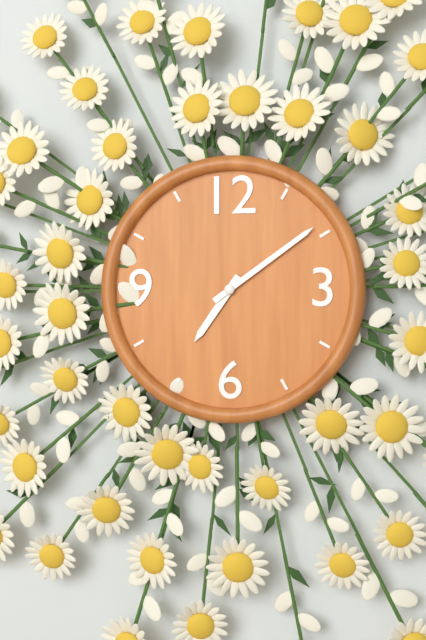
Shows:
7:09
